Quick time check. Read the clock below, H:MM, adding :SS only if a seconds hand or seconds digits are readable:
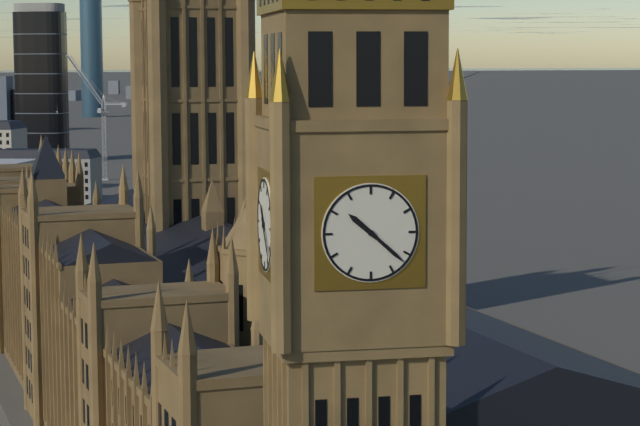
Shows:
10:22
